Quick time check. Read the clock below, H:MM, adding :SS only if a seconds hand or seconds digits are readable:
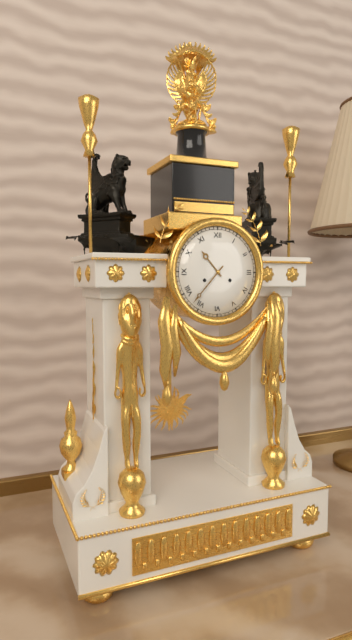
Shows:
10:37
